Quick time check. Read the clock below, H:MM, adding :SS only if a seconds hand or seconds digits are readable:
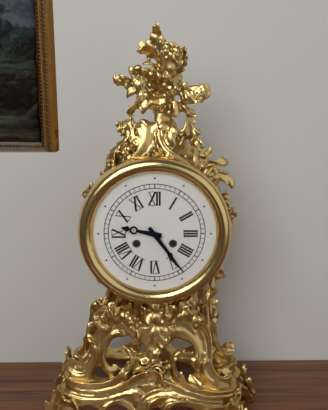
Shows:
9:24
